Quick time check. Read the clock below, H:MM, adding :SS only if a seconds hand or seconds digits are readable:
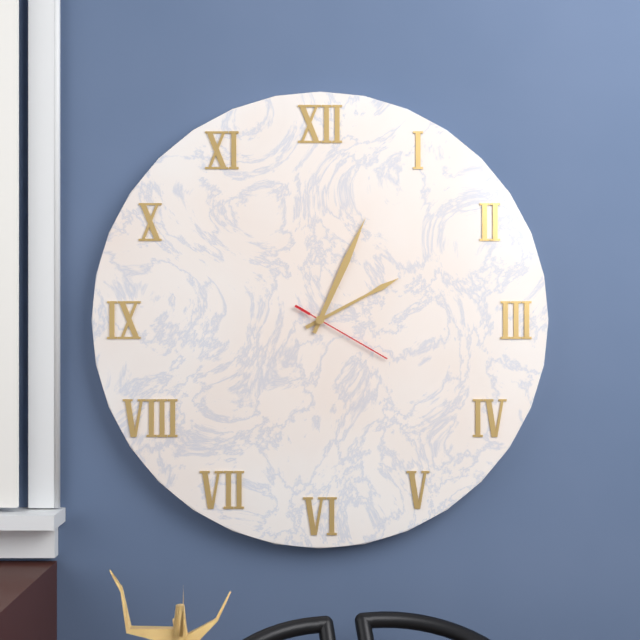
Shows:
2:04:20
